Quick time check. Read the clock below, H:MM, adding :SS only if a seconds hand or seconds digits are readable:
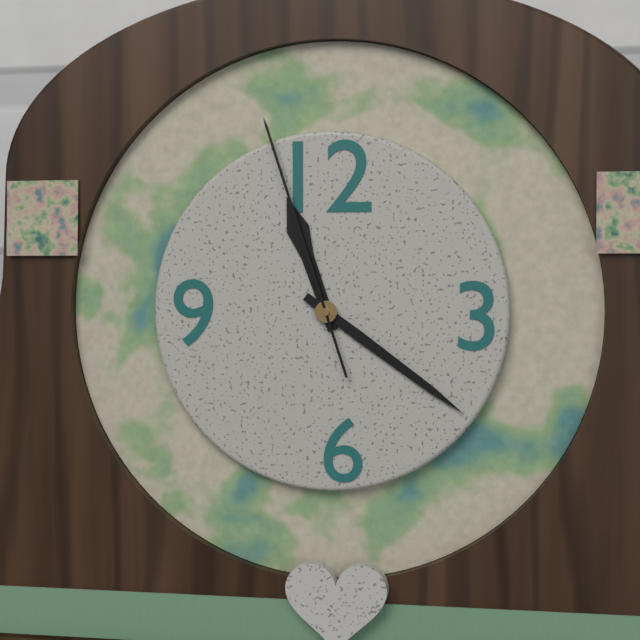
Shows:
11:21:57
